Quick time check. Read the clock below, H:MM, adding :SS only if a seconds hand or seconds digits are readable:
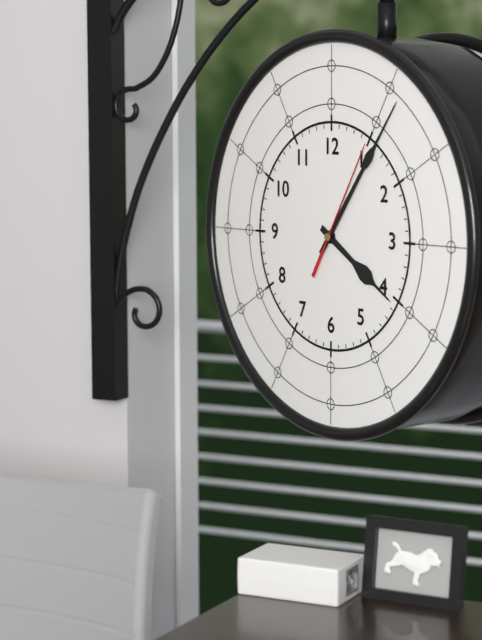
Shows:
4:06:05
